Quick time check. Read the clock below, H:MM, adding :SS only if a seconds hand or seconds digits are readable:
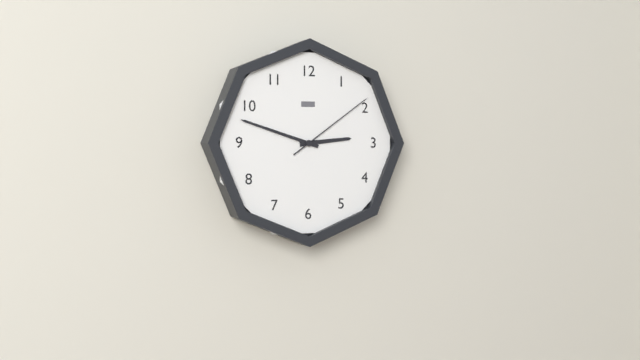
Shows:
2:48:09
